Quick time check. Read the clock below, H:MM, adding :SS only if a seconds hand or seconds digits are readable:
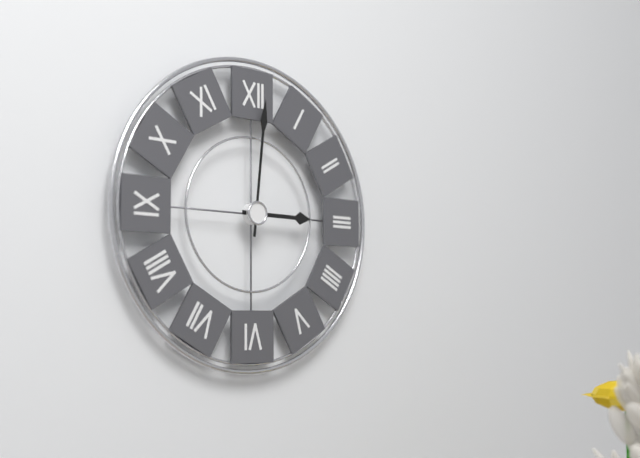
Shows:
3:01
